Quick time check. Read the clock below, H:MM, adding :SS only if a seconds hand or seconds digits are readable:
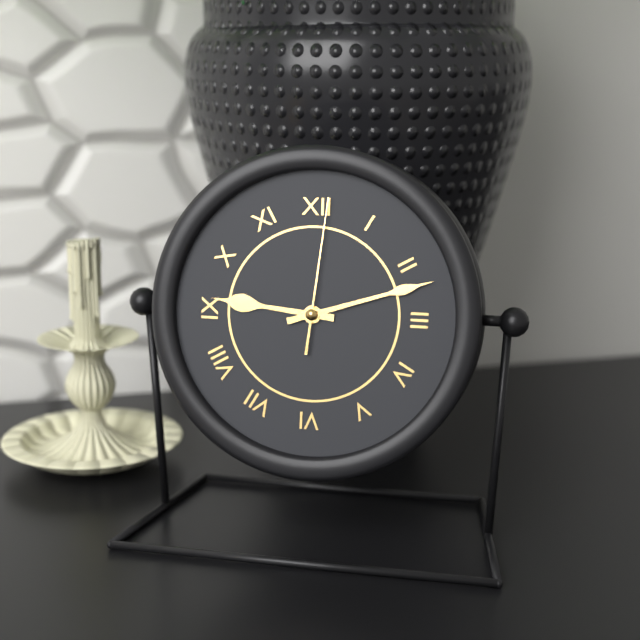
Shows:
9:12:01
